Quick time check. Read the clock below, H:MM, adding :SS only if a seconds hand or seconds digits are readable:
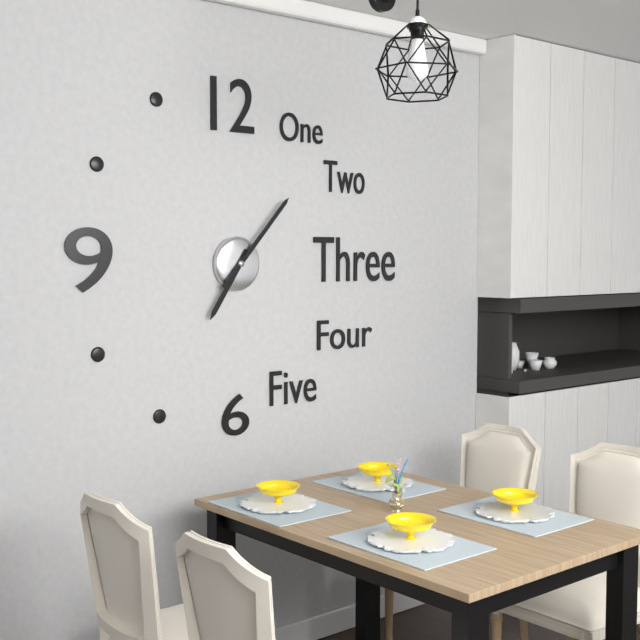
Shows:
7:07
